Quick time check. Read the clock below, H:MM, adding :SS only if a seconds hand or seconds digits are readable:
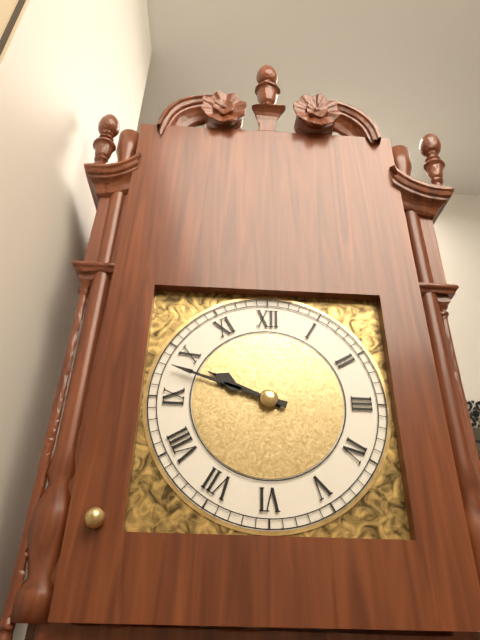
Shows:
9:48
